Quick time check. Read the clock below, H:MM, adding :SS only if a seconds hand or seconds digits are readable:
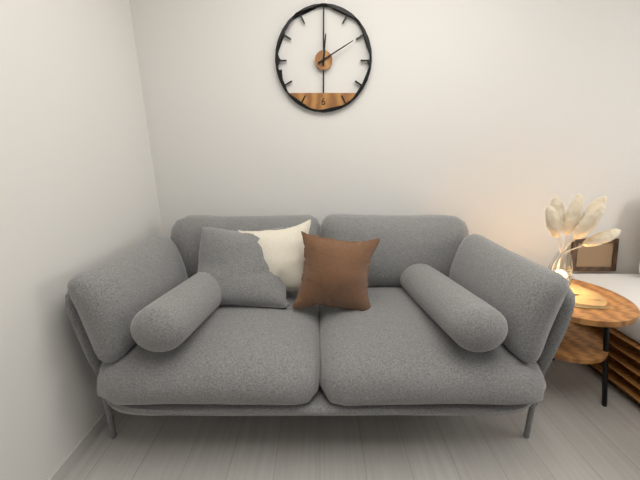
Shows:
12:10
